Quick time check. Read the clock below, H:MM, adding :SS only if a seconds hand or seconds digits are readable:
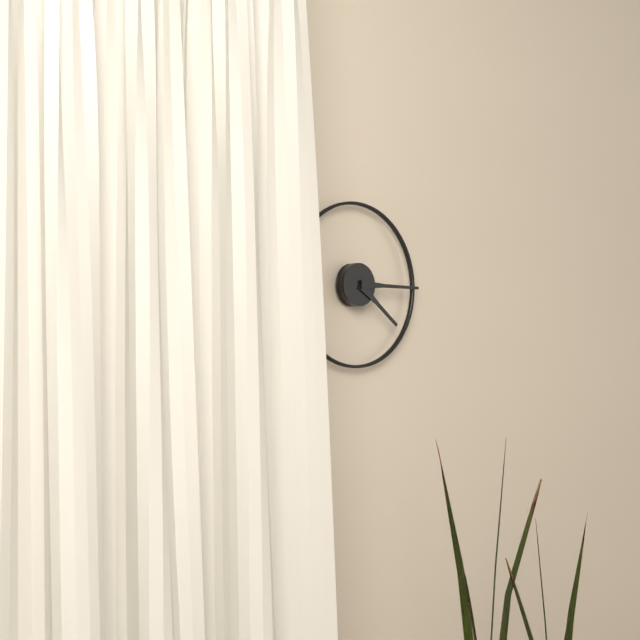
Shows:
4:15
